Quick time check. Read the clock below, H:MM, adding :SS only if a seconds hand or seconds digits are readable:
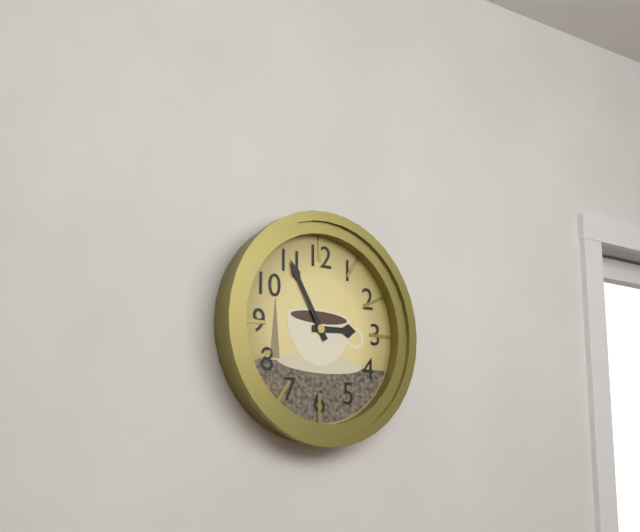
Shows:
2:55
